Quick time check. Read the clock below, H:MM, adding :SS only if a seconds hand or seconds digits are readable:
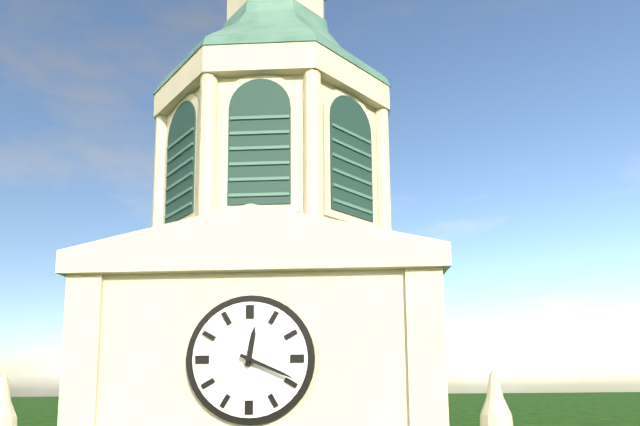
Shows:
12:19
